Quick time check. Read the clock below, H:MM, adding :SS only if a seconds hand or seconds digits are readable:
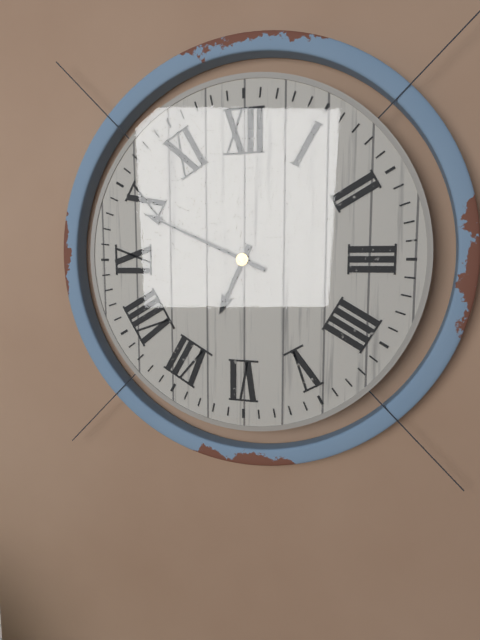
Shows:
6:49
